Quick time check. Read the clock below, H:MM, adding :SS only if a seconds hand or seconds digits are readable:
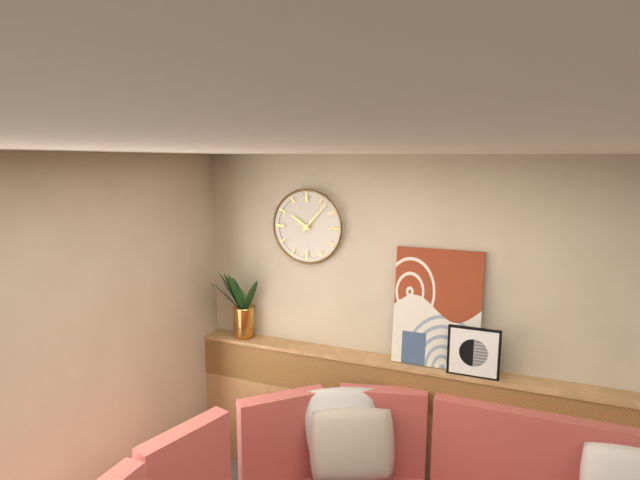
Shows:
10:07
